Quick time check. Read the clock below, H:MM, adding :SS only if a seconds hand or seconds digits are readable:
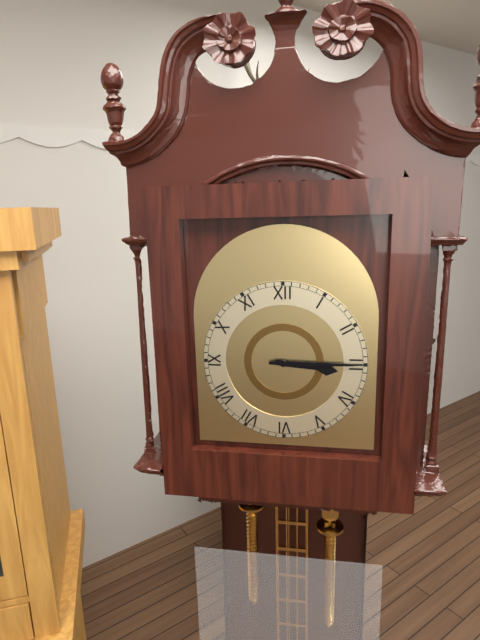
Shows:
3:15
